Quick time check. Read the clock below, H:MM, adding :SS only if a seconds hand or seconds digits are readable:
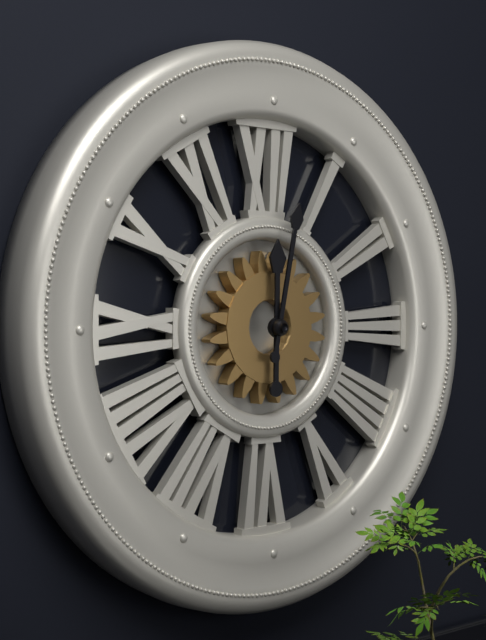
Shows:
12:02
